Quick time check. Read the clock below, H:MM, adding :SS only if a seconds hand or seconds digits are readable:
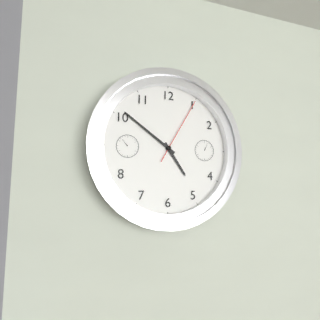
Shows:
4:51:05
